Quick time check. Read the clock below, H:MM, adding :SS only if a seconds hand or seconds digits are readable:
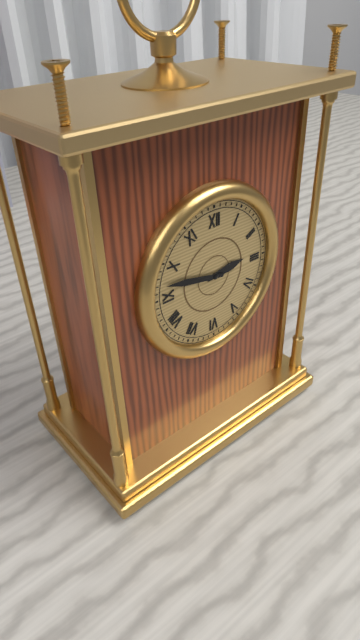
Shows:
2:47
